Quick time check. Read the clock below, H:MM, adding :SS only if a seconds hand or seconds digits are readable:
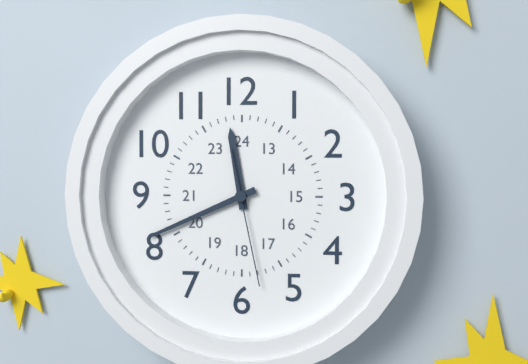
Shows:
11:41:28
